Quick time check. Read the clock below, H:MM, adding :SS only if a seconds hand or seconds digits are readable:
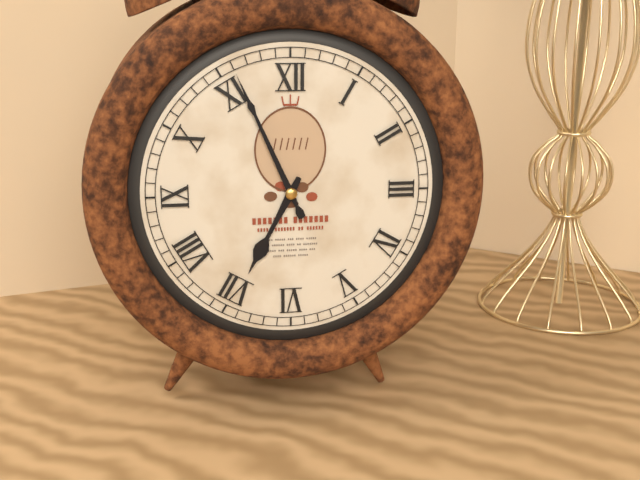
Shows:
6:56
